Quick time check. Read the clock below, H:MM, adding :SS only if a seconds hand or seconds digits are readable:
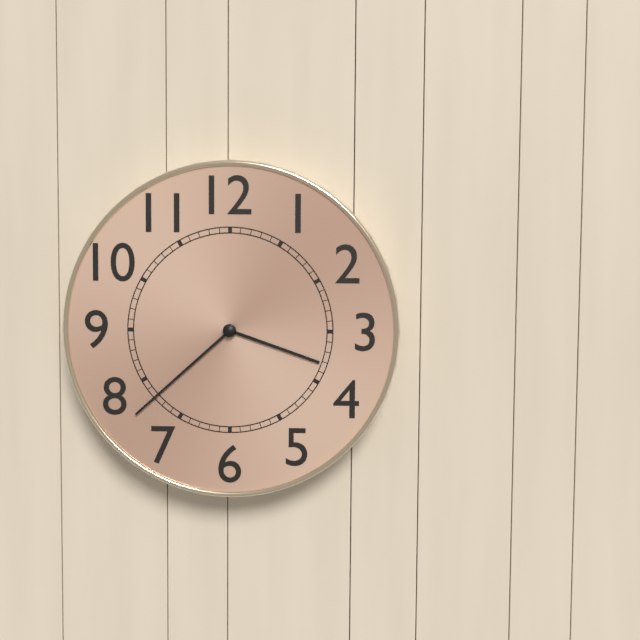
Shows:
3:38
